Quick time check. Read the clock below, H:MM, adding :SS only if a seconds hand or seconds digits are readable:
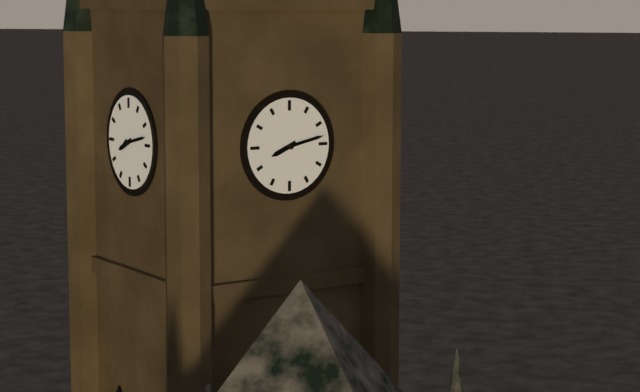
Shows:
8:13
